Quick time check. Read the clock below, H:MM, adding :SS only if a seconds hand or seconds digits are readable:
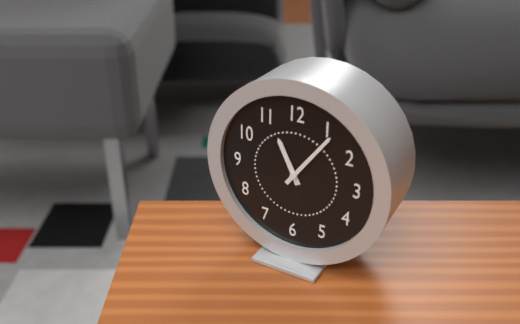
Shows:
11:06
